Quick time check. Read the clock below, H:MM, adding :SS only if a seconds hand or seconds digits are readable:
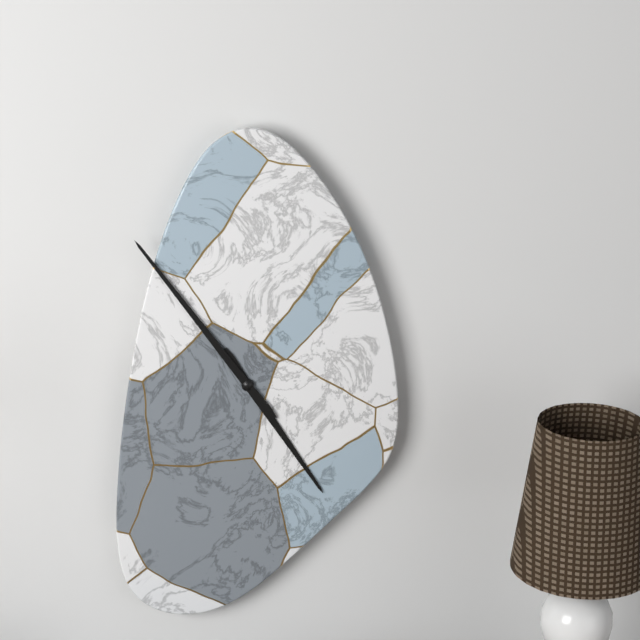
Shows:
4:54
